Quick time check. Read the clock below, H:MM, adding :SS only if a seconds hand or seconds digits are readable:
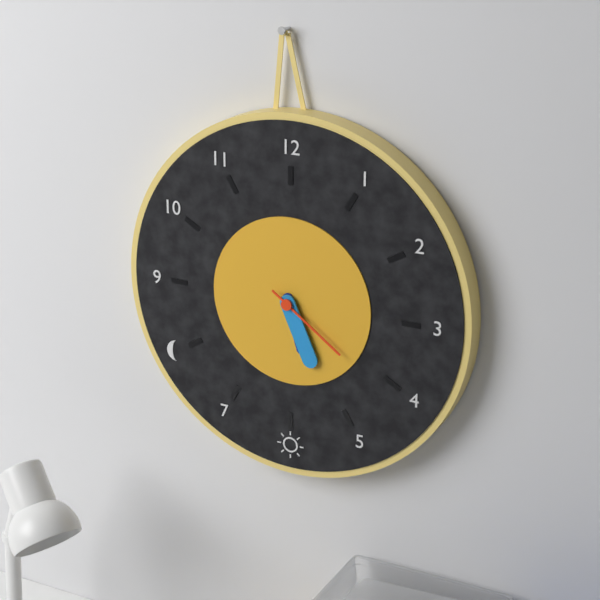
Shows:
5:26:21
